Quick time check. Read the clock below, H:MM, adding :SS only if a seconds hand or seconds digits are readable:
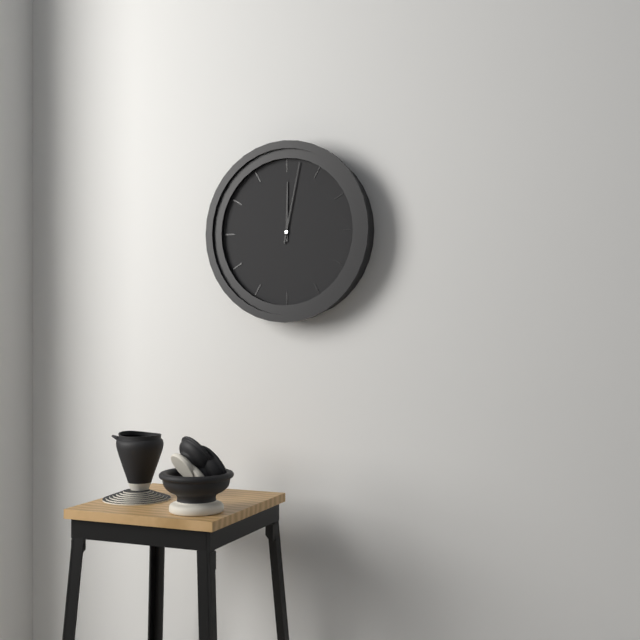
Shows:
12:02
